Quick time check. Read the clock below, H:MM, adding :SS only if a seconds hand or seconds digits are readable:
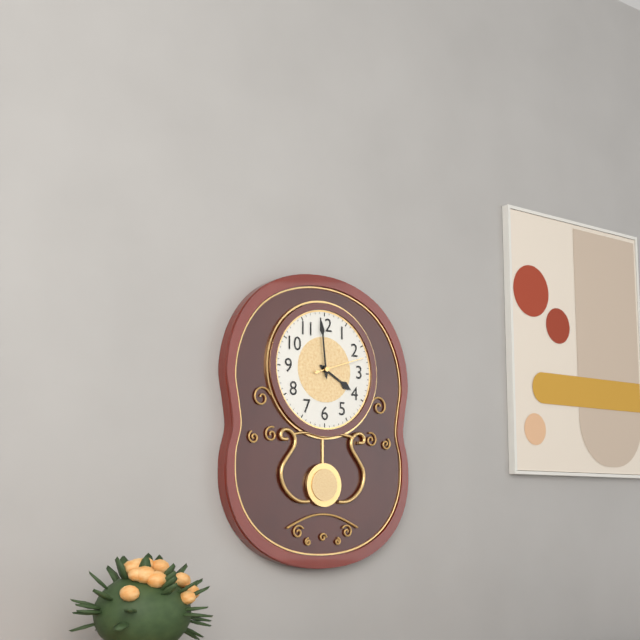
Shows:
3:59:12
